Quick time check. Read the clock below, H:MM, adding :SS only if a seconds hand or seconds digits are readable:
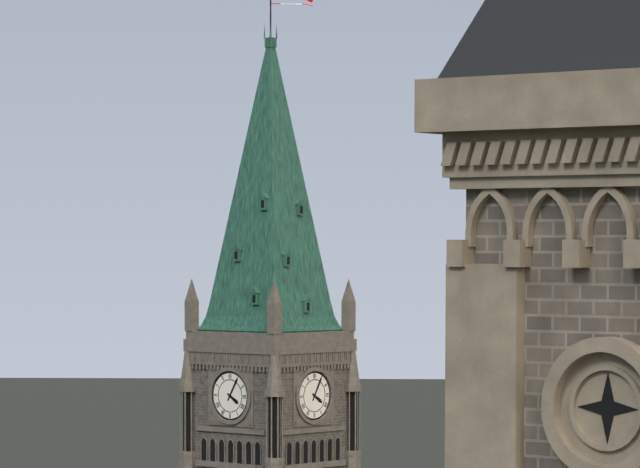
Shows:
4:05
